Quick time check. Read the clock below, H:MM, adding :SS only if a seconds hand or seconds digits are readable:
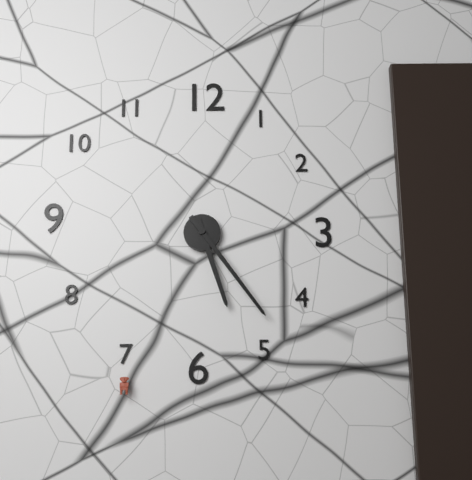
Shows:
5:24
